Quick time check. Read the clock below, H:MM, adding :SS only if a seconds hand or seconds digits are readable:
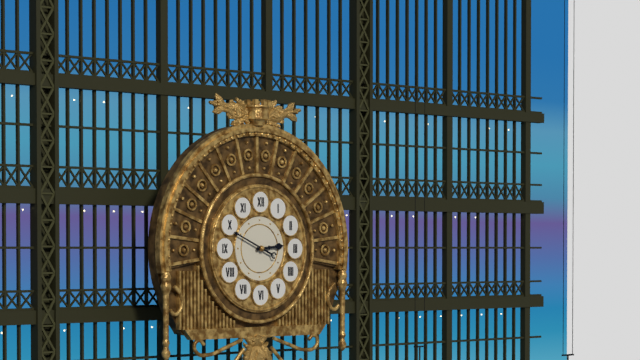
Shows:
2:49
